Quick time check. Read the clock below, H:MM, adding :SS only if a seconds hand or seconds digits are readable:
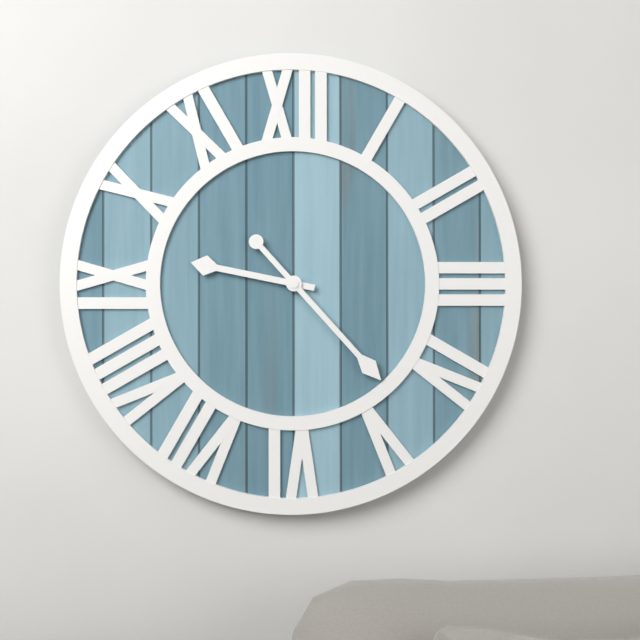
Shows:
9:23
